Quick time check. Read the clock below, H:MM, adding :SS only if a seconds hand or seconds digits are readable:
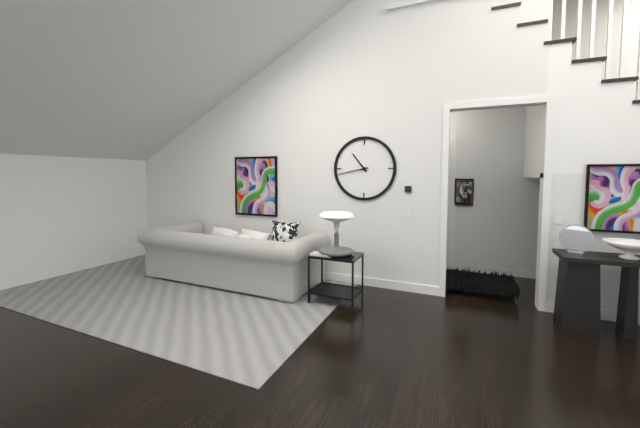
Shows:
10:43
